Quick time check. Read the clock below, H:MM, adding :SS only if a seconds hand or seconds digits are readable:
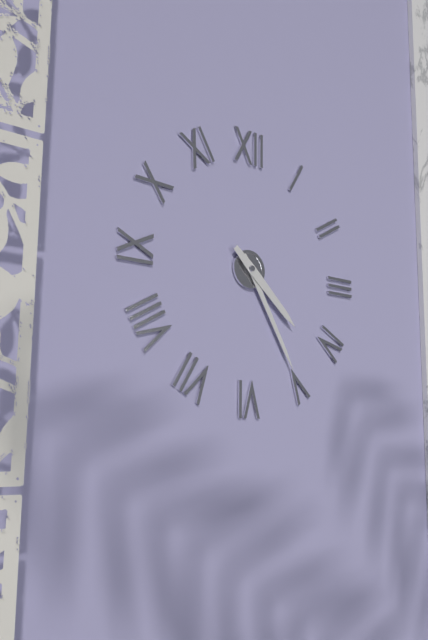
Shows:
4:25
